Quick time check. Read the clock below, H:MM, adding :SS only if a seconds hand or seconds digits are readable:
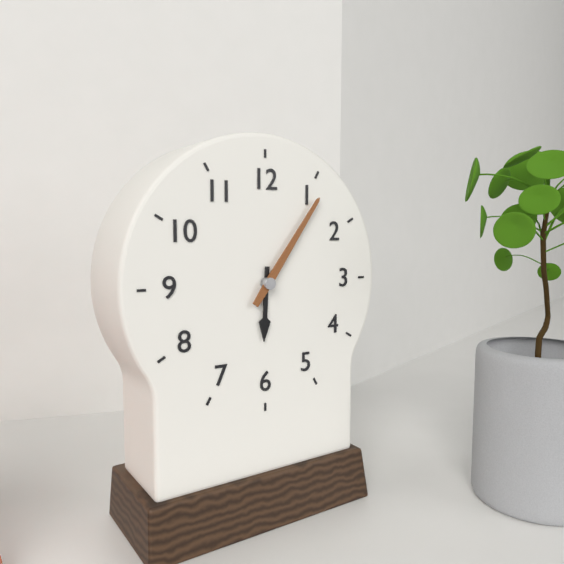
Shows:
6:06
